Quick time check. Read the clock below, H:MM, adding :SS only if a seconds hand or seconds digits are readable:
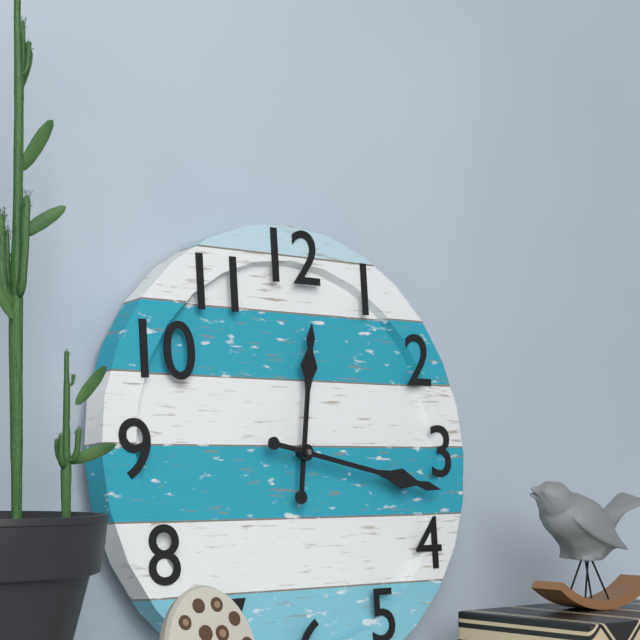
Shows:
12:17
